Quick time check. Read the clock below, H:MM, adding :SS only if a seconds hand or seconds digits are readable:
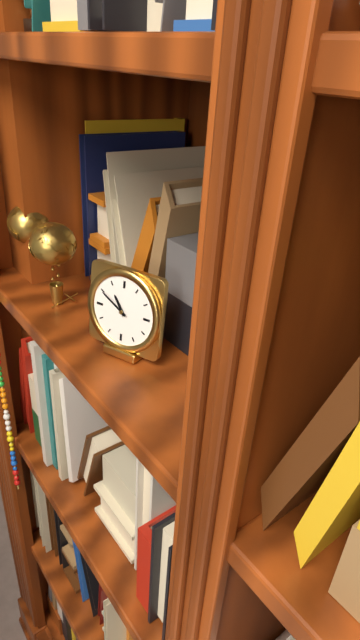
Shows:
10:50
